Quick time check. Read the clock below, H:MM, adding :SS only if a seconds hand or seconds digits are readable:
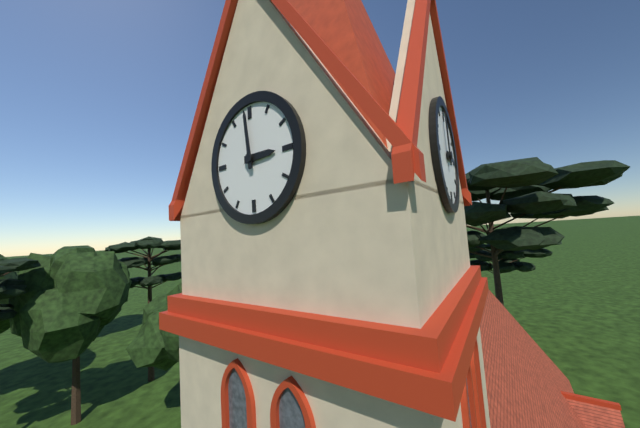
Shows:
2:59
